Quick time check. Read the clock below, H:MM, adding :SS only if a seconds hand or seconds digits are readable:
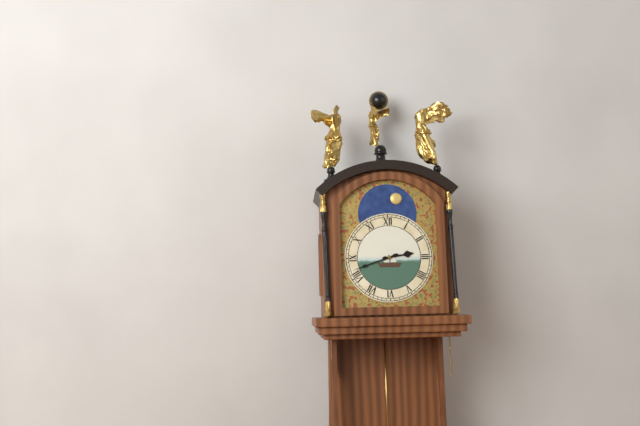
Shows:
2:42
